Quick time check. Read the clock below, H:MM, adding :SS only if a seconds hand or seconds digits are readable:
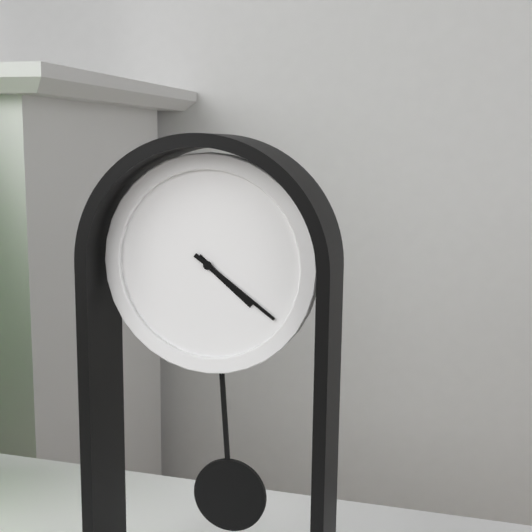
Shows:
4:21
